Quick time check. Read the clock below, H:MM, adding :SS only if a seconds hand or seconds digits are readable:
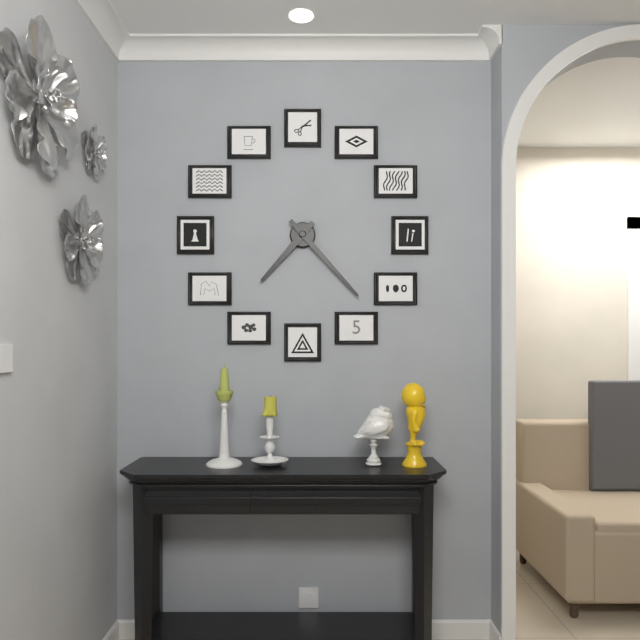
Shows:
7:23
